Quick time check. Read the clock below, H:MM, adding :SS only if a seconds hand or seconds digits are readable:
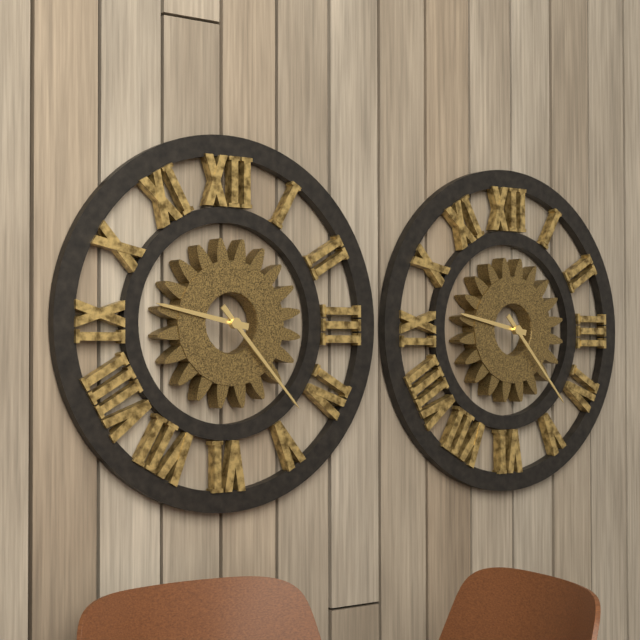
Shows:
9:23
